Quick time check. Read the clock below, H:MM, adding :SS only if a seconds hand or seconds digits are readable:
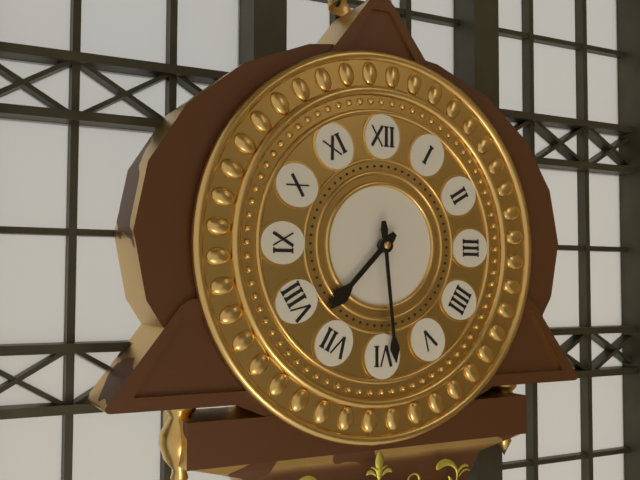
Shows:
7:29
